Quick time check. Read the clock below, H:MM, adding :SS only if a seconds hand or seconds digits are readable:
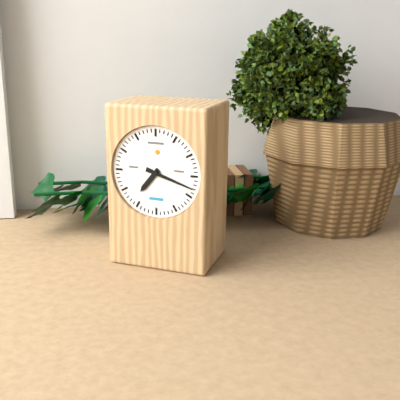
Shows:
7:18
